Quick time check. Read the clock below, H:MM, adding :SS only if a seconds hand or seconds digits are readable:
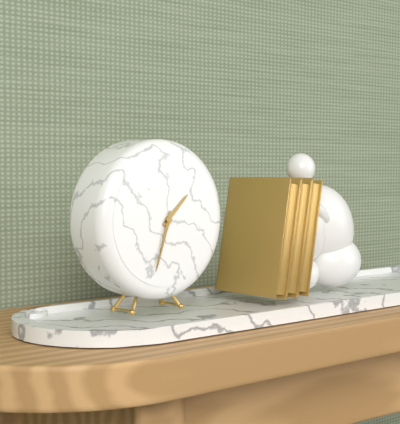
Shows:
1:33
